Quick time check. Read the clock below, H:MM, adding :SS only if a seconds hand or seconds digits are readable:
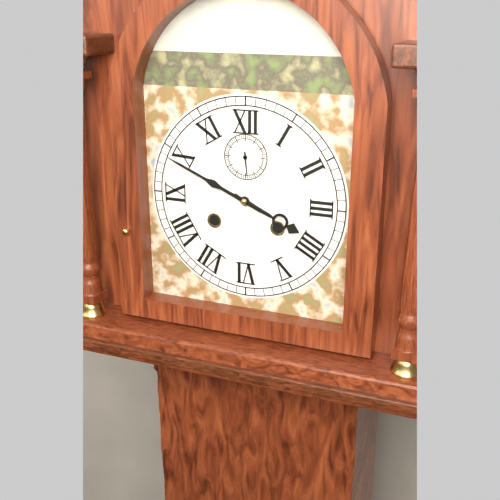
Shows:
3:49
